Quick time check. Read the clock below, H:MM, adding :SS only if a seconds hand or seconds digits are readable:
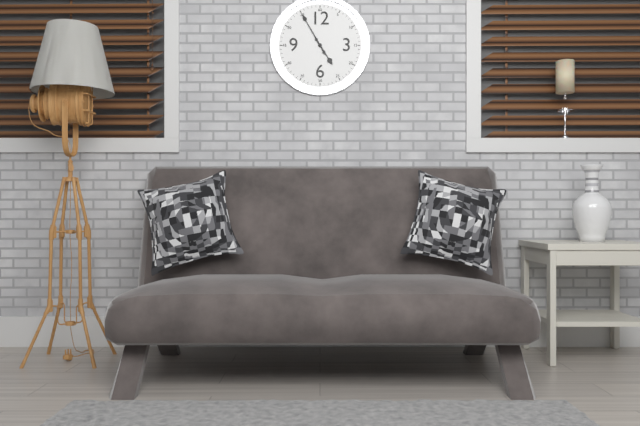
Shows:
4:55
